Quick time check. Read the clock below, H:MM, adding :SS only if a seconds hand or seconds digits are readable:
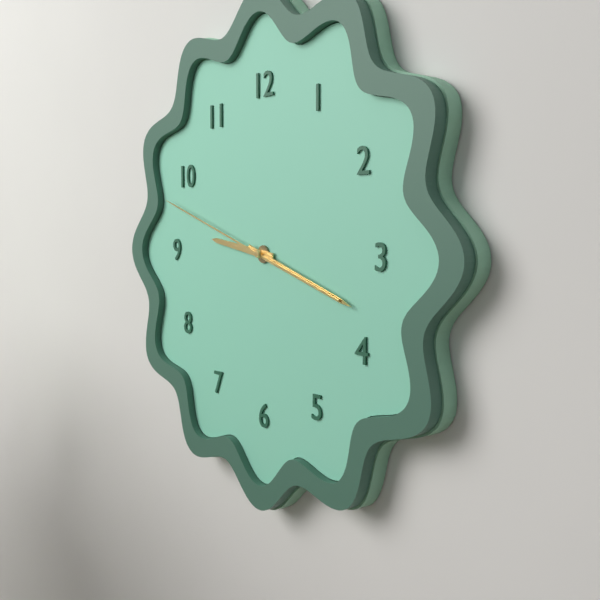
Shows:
9:18:48
